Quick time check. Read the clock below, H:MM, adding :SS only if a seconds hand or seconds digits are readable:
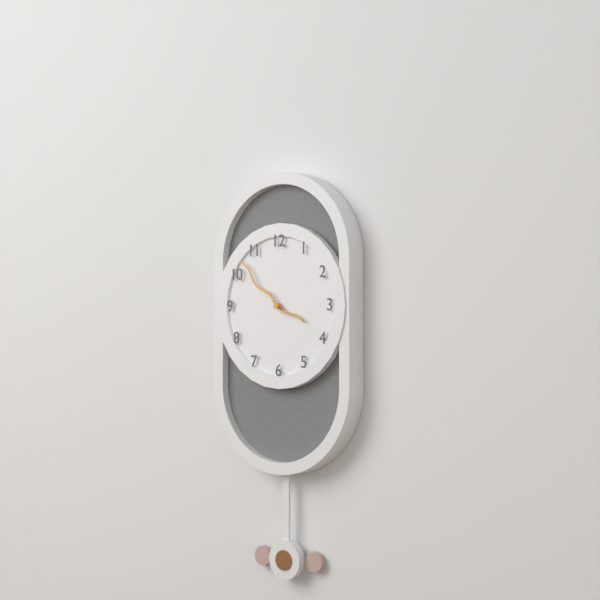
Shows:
3:52
